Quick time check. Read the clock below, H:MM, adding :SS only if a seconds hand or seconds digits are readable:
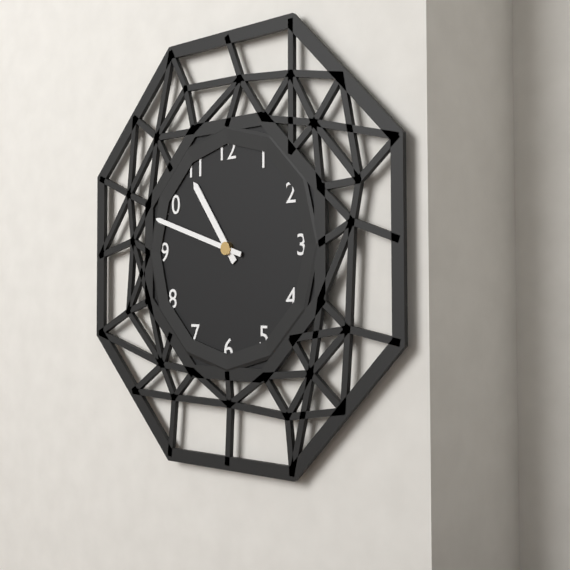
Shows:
10:48
